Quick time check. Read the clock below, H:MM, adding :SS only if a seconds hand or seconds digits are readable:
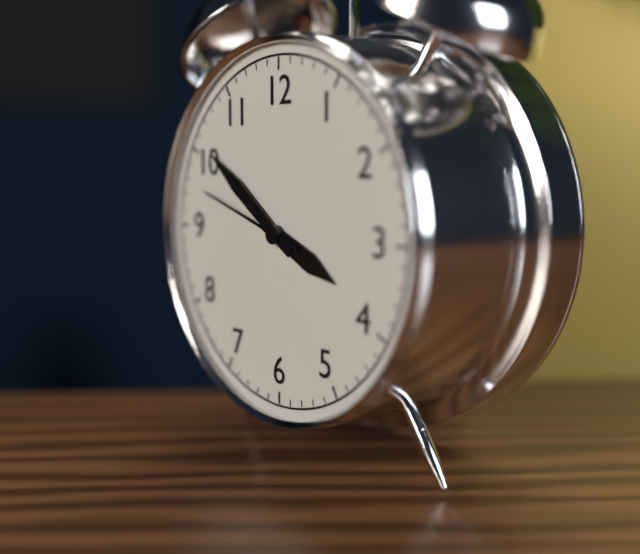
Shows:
3:51:48
